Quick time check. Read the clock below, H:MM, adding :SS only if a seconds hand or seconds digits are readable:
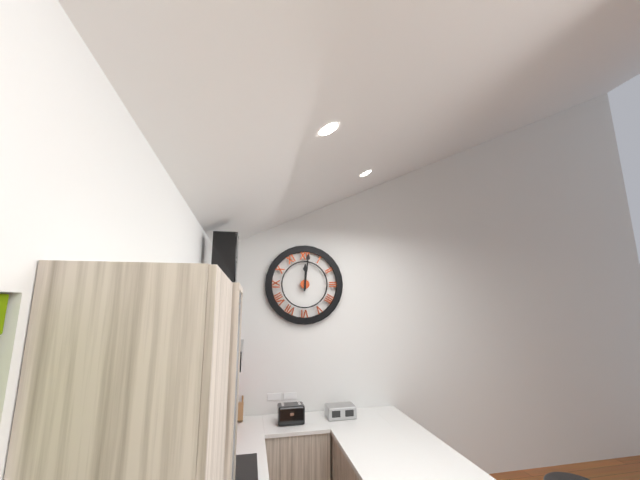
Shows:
12:01
